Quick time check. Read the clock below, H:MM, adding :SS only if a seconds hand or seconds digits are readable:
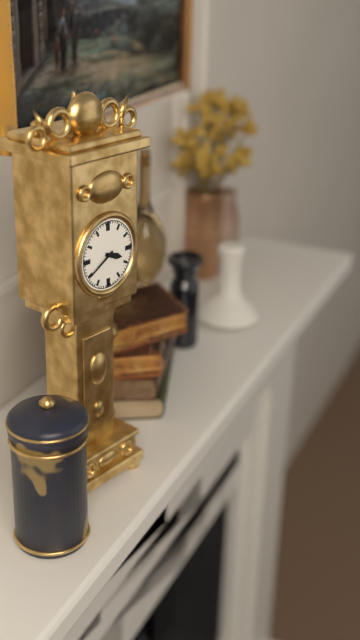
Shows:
3:40
